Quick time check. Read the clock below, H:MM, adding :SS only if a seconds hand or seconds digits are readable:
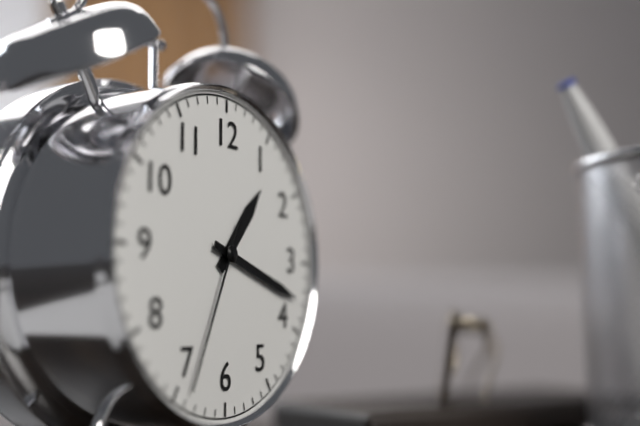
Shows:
1:18:34
